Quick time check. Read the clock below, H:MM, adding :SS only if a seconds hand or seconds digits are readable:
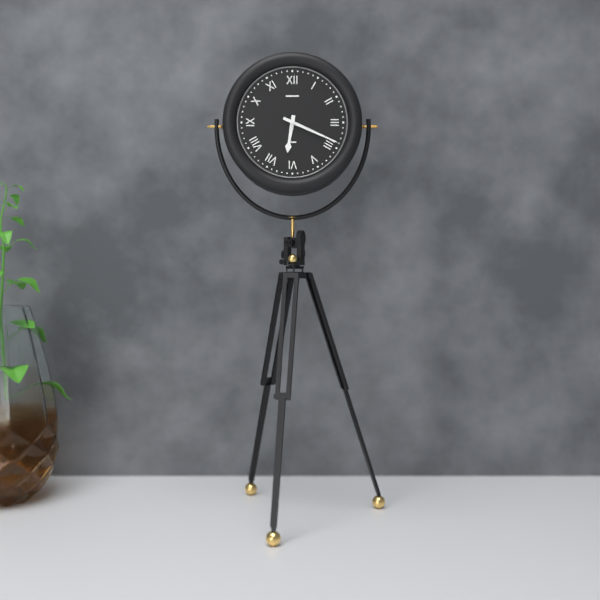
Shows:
6:19
